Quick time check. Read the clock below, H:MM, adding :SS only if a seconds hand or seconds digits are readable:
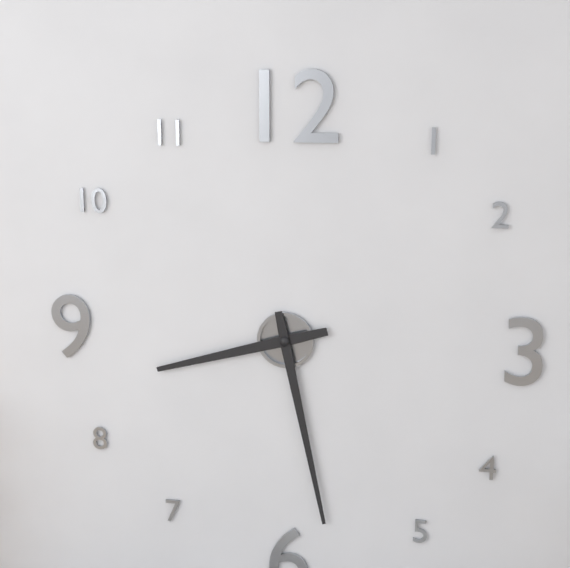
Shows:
8:28
